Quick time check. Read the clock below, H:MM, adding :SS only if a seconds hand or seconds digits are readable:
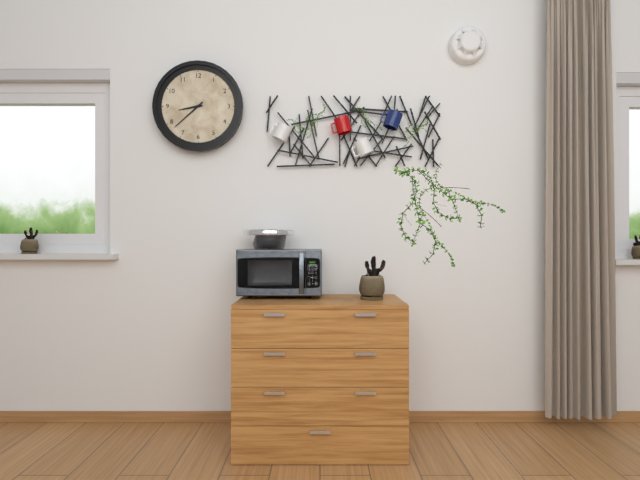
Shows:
8:38
